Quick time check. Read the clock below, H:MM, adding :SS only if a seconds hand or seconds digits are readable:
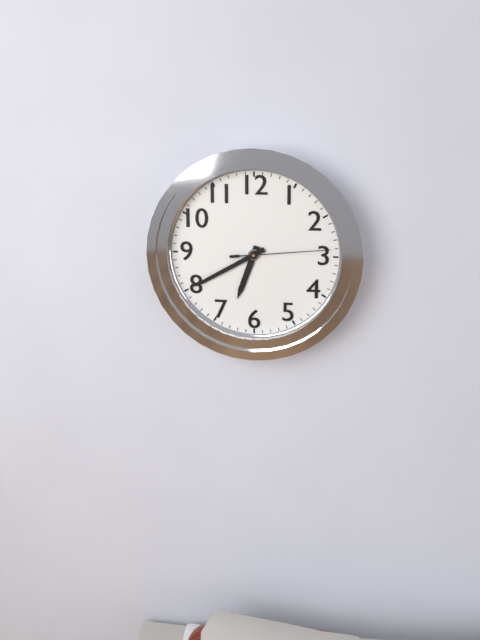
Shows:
6:40:14
